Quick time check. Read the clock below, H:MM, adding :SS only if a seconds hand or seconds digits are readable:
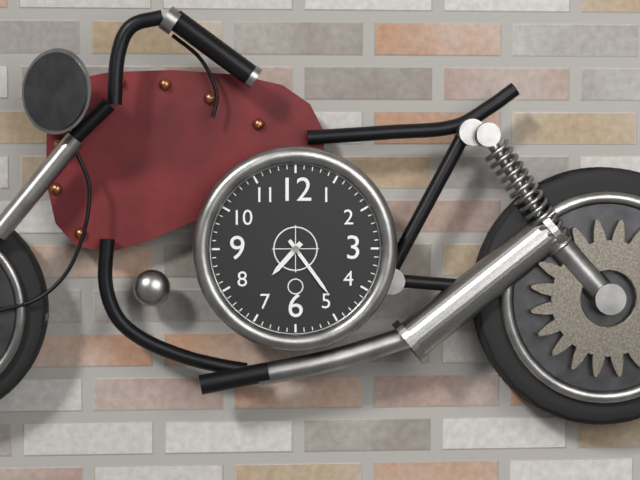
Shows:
7:24
